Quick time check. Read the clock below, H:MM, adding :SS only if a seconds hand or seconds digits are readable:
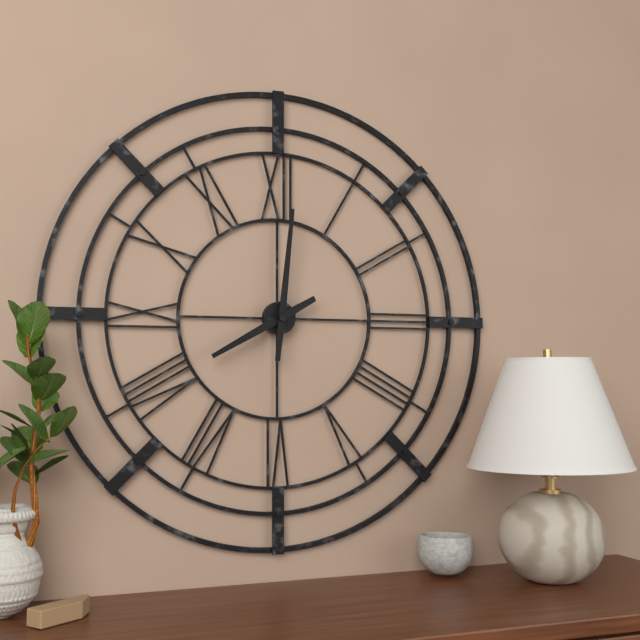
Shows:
8:01
